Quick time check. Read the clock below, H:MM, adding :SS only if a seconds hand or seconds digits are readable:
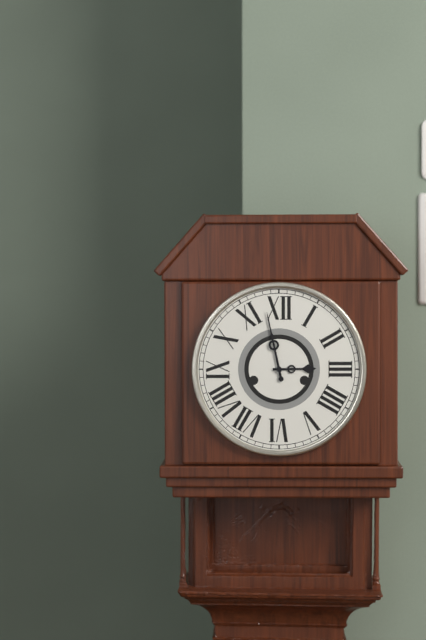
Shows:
2:58
